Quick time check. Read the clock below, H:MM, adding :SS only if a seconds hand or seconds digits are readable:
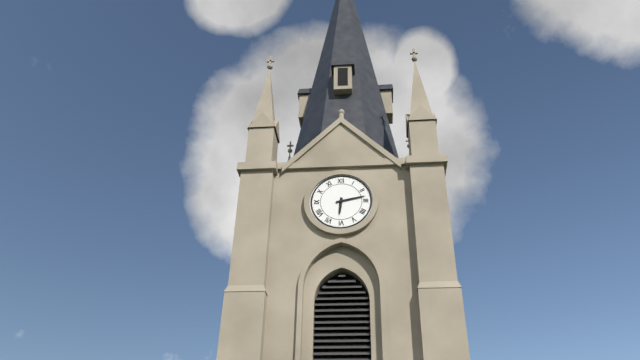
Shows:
6:13
